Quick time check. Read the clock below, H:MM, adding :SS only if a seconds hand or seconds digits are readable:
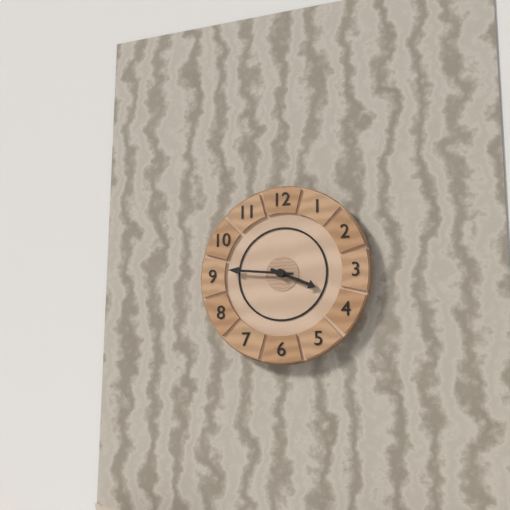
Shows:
3:46
